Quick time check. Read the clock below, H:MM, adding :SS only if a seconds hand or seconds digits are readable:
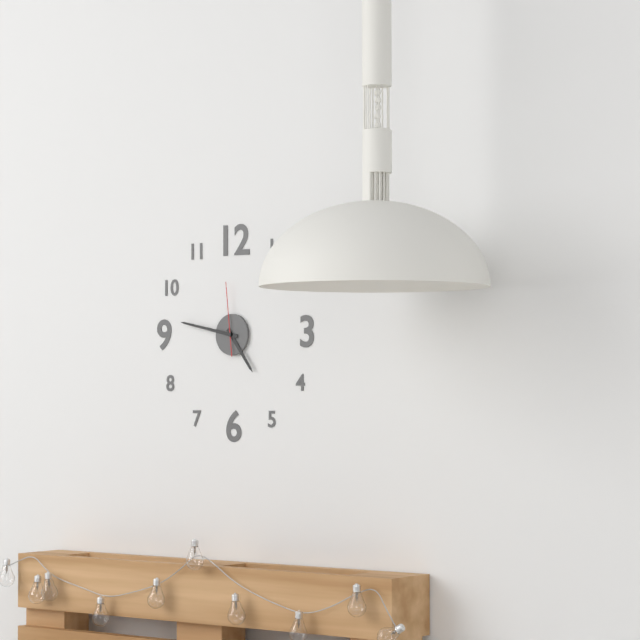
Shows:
4:47:59
